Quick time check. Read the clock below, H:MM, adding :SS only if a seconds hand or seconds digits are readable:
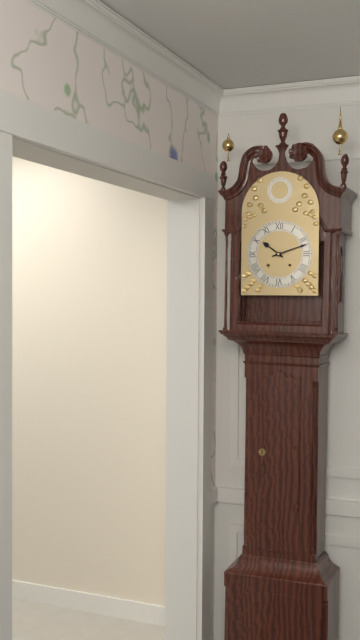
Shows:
10:12
